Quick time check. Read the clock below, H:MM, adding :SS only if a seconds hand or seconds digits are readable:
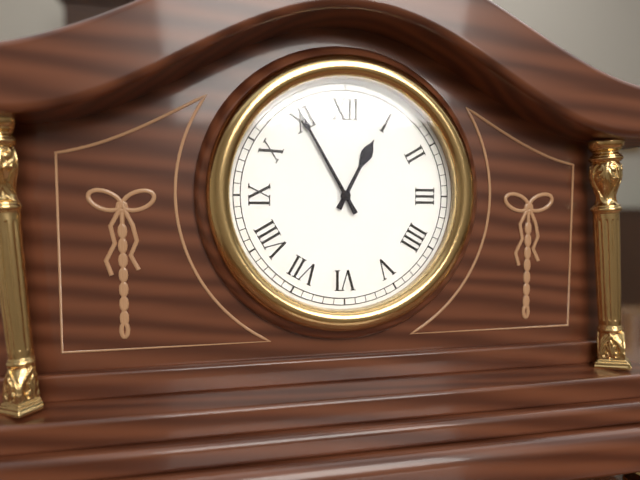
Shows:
12:55
